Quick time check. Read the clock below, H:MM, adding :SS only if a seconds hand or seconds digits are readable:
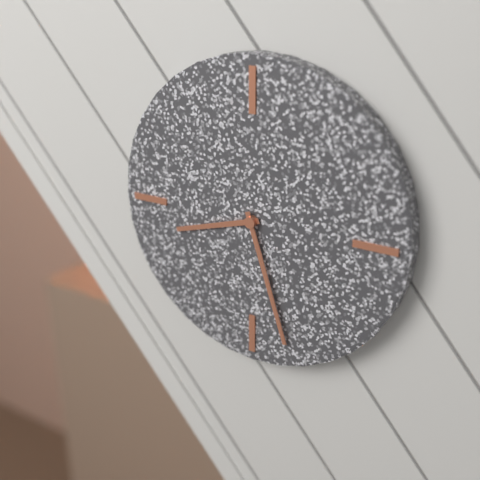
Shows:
8:27
